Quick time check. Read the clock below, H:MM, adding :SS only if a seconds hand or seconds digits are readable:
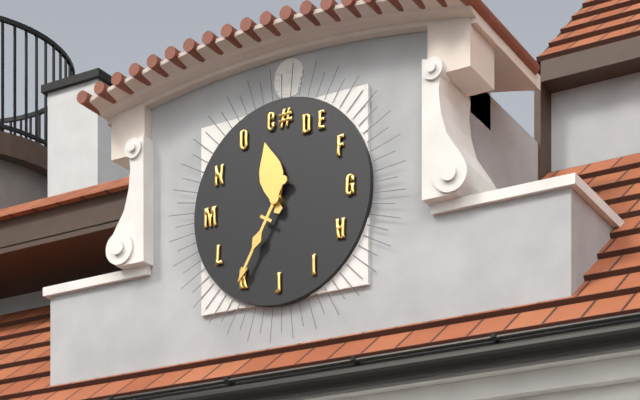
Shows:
11:35
